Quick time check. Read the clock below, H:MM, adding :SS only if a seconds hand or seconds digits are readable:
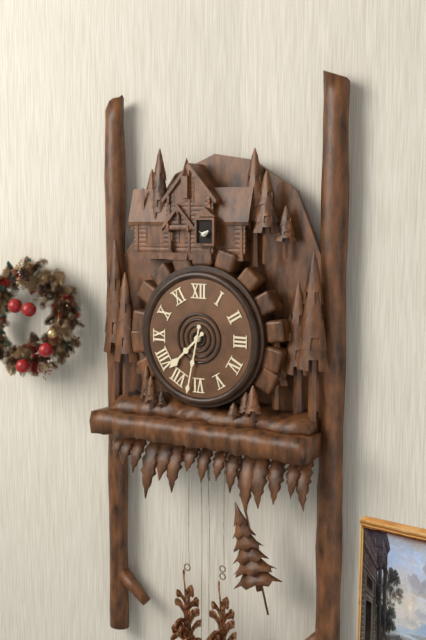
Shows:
7:32
